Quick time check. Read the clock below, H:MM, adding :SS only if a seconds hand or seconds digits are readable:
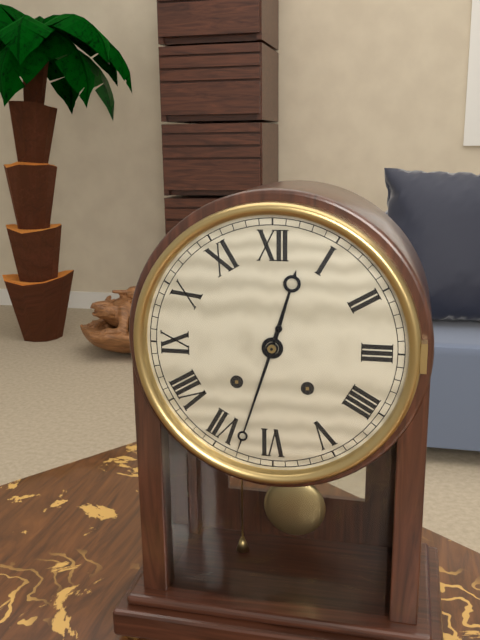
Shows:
12:33
